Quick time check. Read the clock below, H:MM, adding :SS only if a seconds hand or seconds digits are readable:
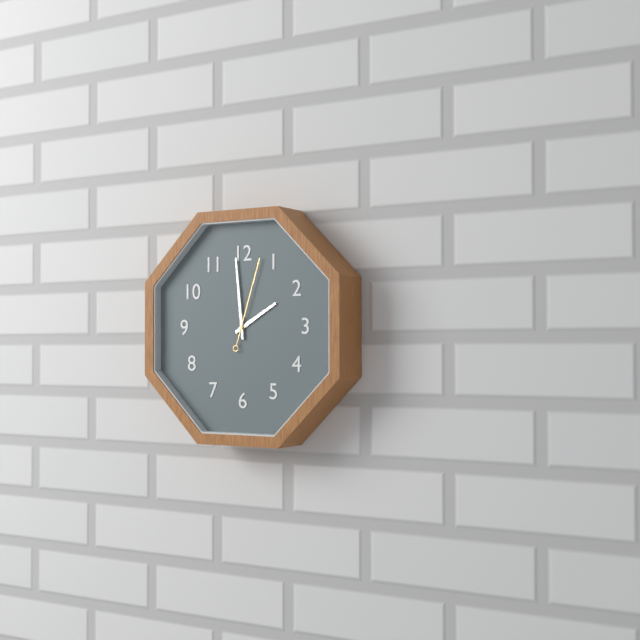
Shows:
1:59:03
